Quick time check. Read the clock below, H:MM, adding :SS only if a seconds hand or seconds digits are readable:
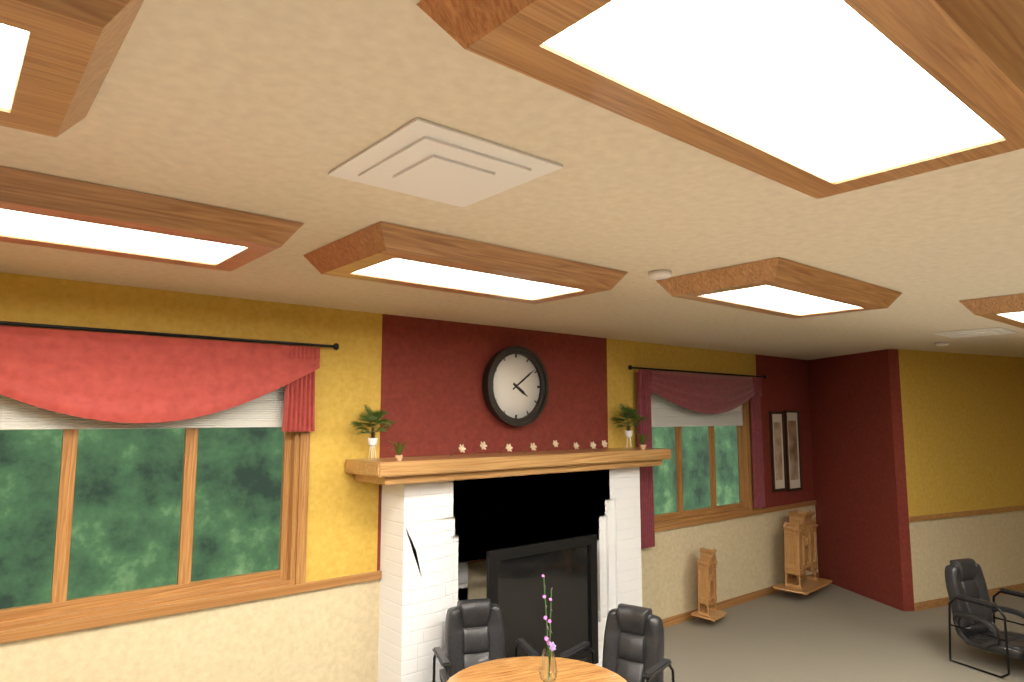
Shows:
4:09
